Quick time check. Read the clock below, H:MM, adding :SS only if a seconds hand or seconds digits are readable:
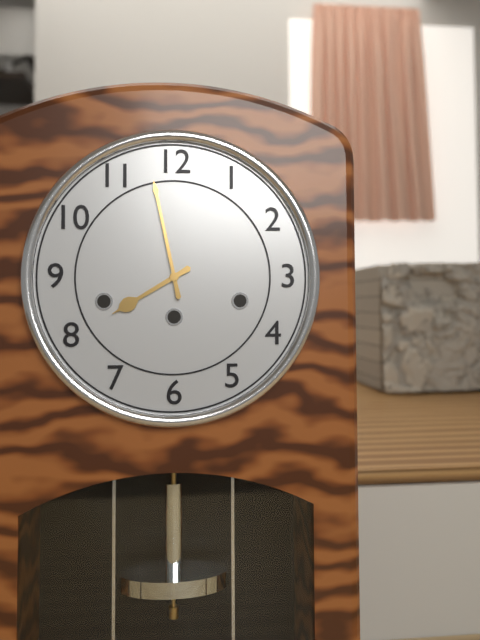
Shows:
7:58
